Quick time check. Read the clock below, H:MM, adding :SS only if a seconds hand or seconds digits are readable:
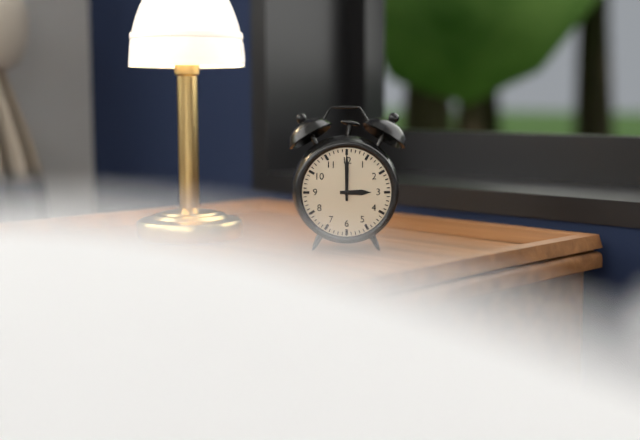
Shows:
3:00
